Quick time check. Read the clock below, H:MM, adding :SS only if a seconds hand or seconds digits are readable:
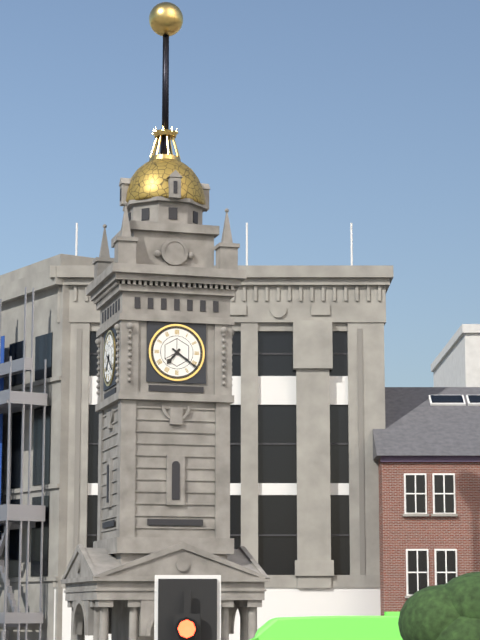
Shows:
7:21
